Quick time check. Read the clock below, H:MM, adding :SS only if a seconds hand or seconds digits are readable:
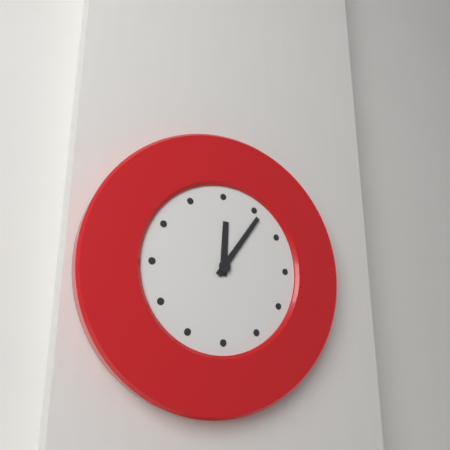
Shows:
12:06
